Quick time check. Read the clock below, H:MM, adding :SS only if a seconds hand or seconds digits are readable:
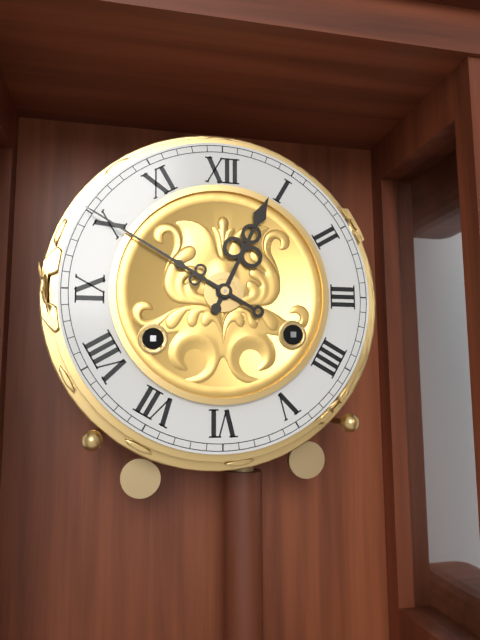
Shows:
12:50
